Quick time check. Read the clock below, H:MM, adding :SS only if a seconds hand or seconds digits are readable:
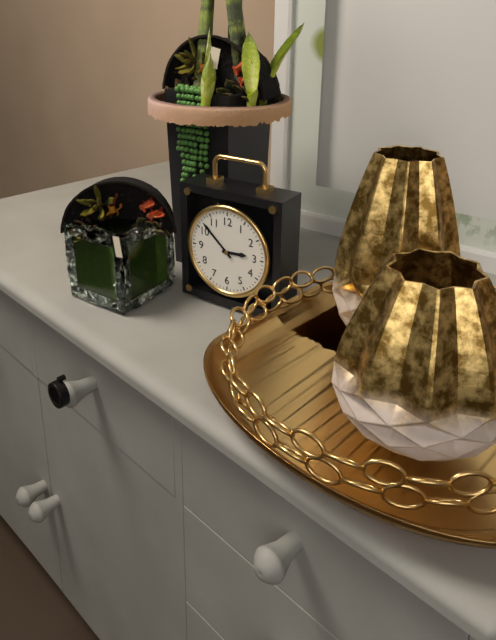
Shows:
2:52
